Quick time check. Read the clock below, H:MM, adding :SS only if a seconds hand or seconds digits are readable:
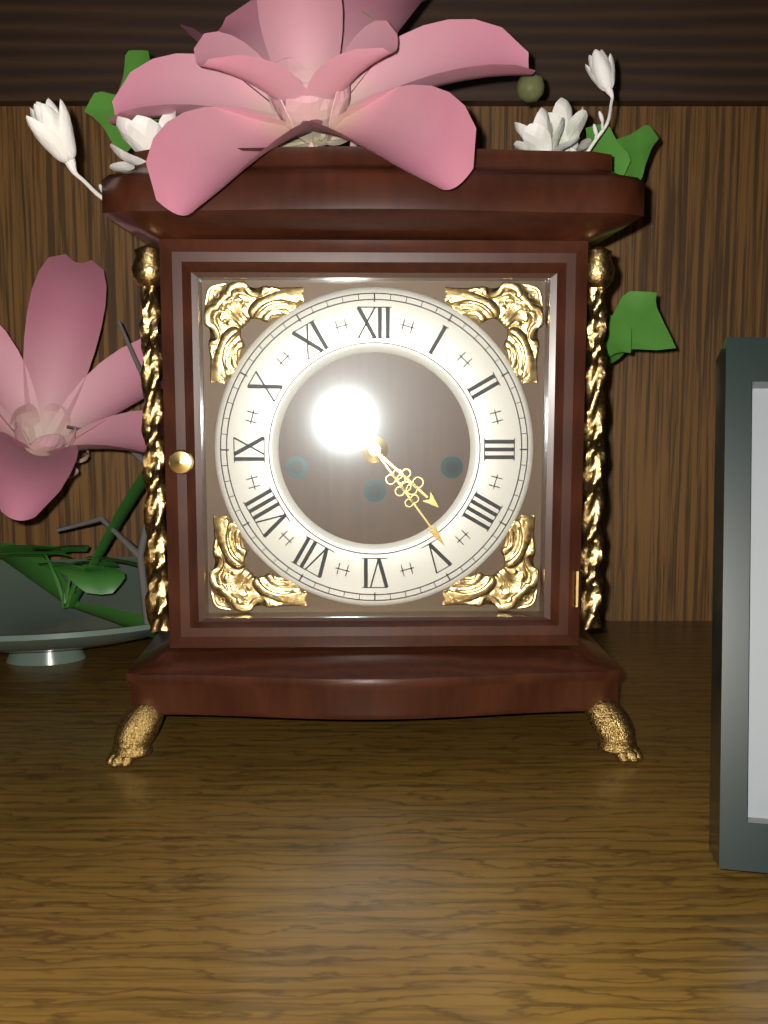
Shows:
4:24
